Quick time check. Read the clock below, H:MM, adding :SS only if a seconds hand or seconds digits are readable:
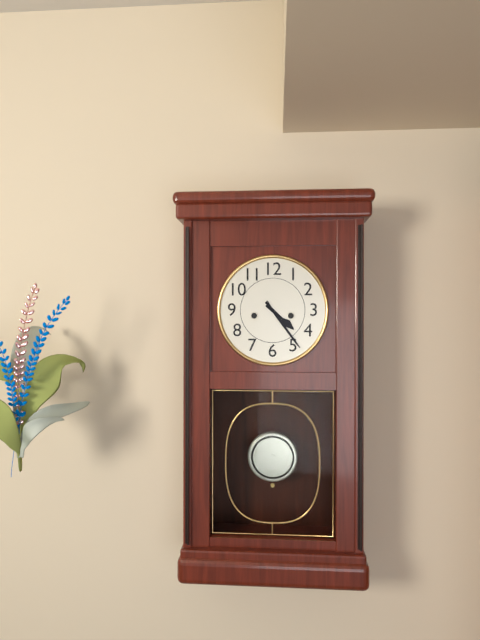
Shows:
4:24
